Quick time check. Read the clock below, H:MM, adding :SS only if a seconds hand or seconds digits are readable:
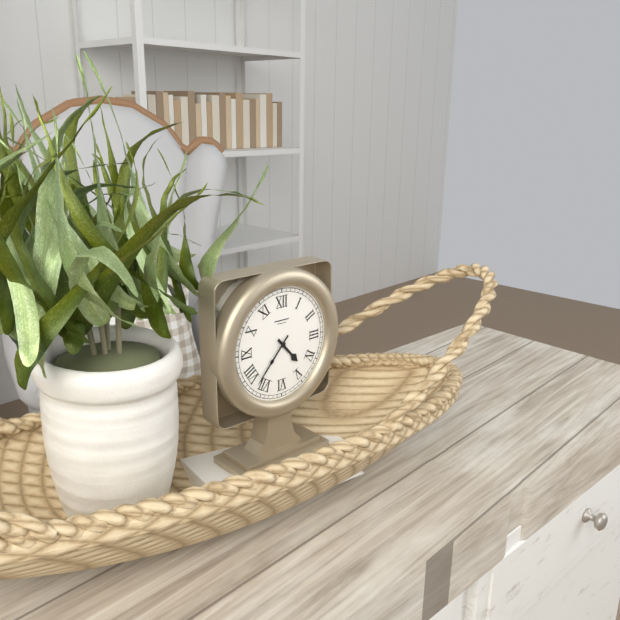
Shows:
4:37
